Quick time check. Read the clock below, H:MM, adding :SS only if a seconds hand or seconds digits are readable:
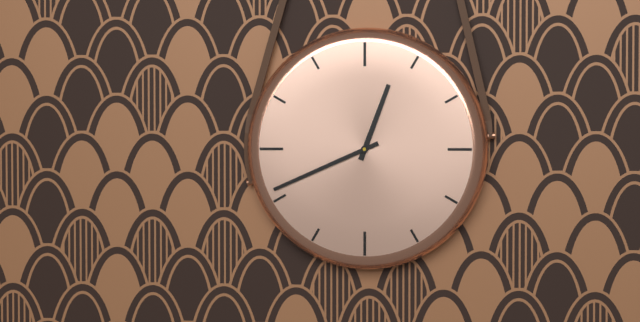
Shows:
12:41
